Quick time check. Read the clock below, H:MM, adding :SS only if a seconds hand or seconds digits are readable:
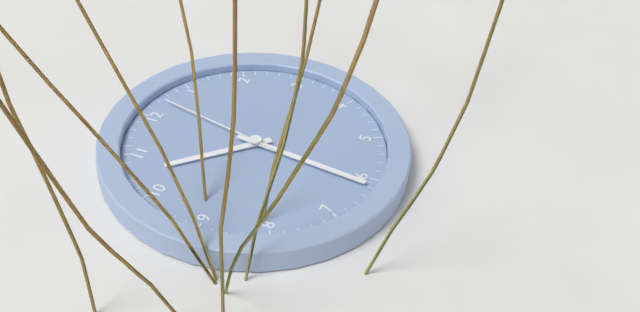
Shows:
10:31:02
